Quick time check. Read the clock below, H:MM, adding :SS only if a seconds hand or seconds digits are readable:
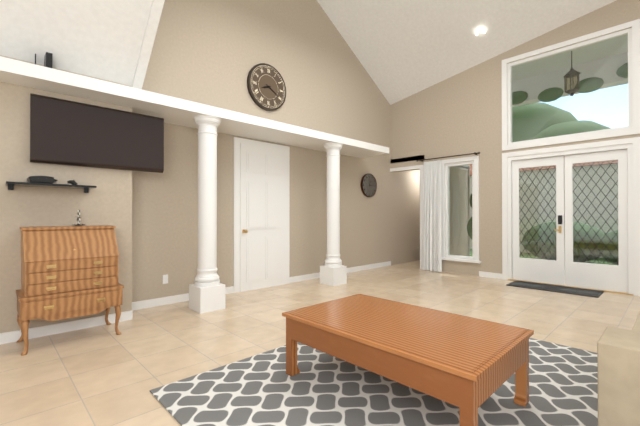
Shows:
8:20
